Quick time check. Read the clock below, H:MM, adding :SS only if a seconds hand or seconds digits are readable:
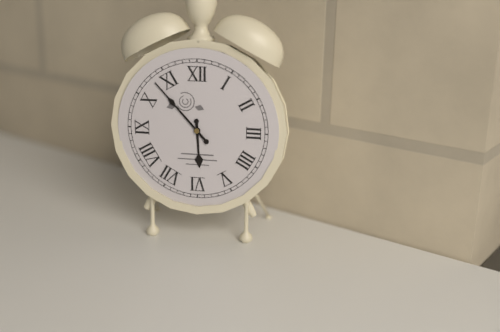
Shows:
5:53
